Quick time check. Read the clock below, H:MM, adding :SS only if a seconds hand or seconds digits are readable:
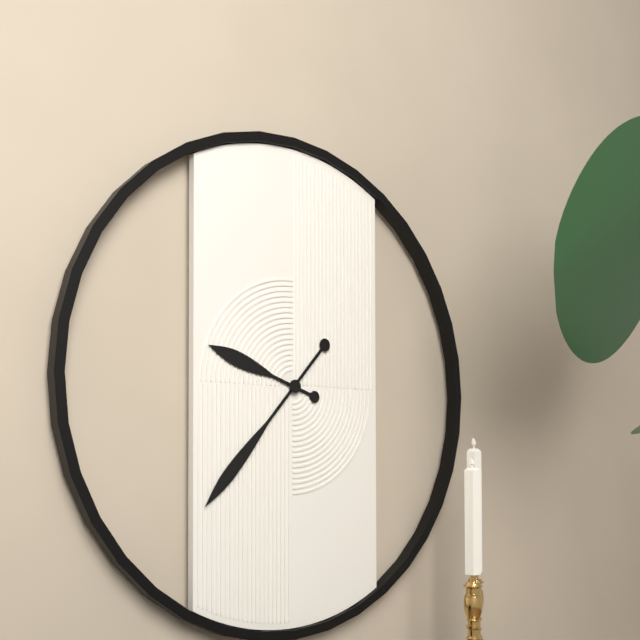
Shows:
9:37
